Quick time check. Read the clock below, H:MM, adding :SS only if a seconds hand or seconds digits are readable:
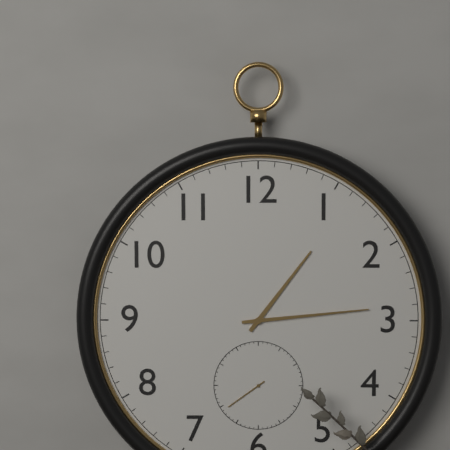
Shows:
1:14
